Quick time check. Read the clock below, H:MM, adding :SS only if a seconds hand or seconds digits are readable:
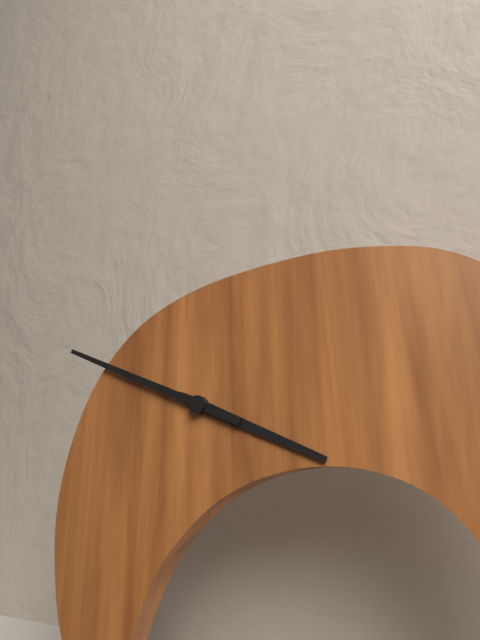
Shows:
3:49
